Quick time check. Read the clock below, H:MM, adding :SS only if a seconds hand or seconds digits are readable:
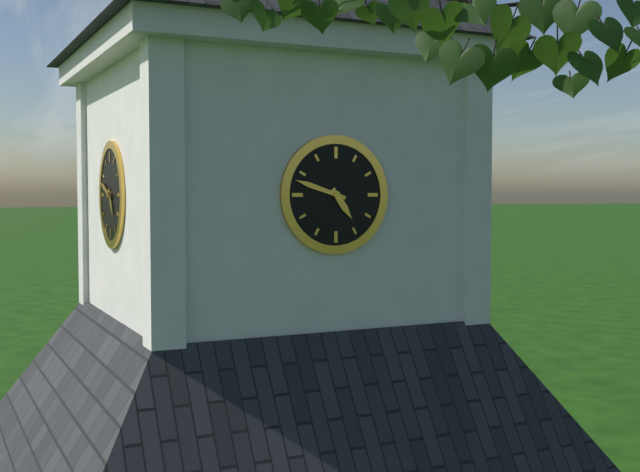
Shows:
4:48
